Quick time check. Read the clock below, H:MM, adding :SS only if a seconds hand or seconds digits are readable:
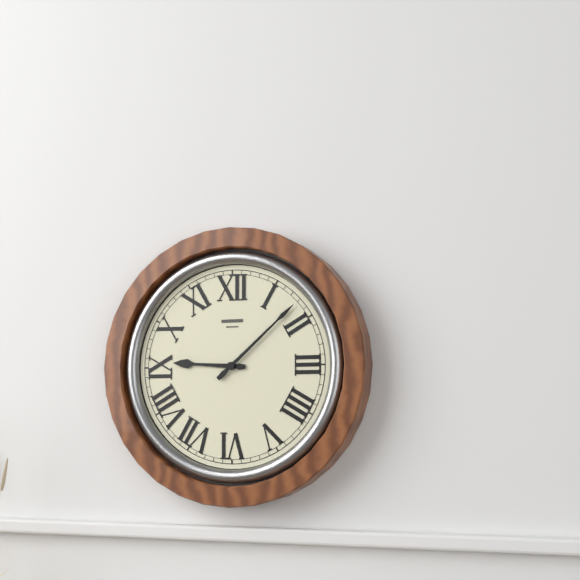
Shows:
9:08
